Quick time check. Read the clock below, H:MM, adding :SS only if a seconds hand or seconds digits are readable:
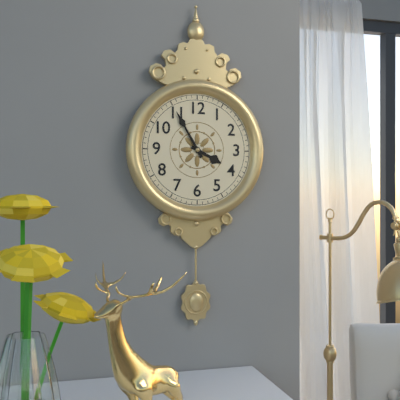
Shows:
3:55
